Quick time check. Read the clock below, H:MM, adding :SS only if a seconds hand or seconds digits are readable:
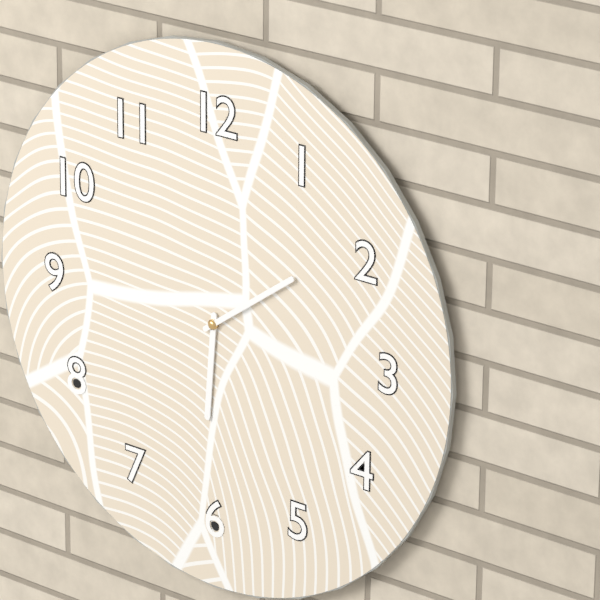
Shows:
6:09
